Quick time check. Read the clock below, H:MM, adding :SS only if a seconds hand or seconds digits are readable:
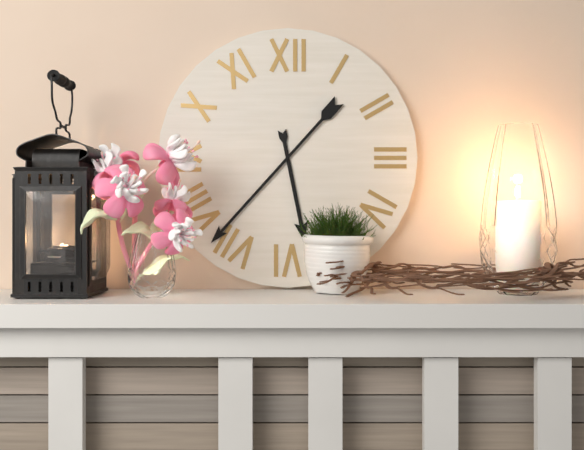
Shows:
5:37
